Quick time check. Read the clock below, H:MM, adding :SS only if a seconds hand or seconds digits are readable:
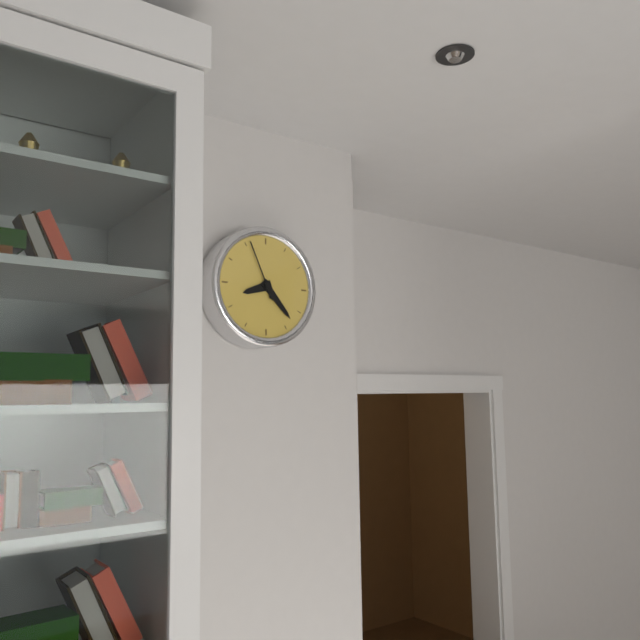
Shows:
8:23:56
